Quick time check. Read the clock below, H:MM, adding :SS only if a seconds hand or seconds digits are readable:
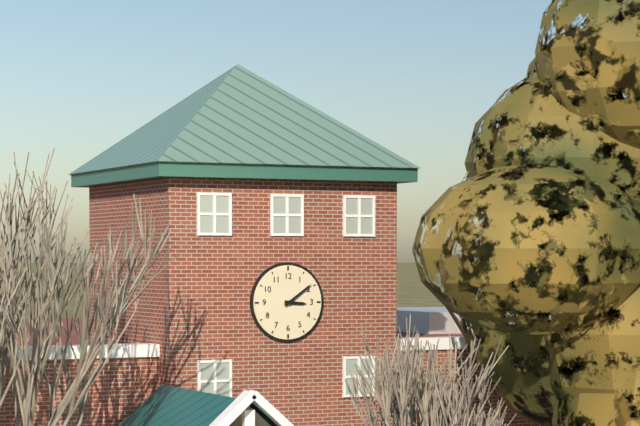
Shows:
3:09
